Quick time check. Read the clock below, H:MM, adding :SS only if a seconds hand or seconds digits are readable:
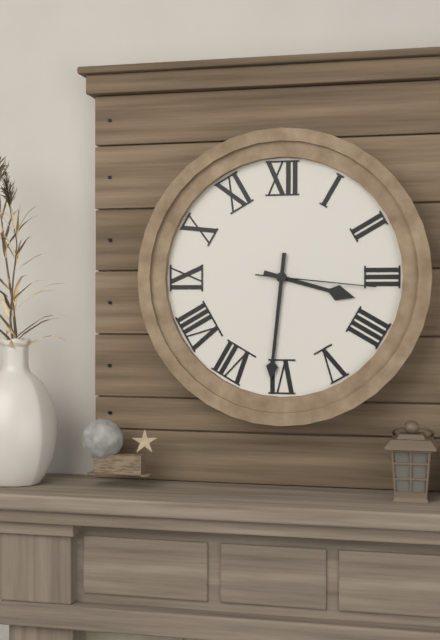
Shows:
3:31:16
